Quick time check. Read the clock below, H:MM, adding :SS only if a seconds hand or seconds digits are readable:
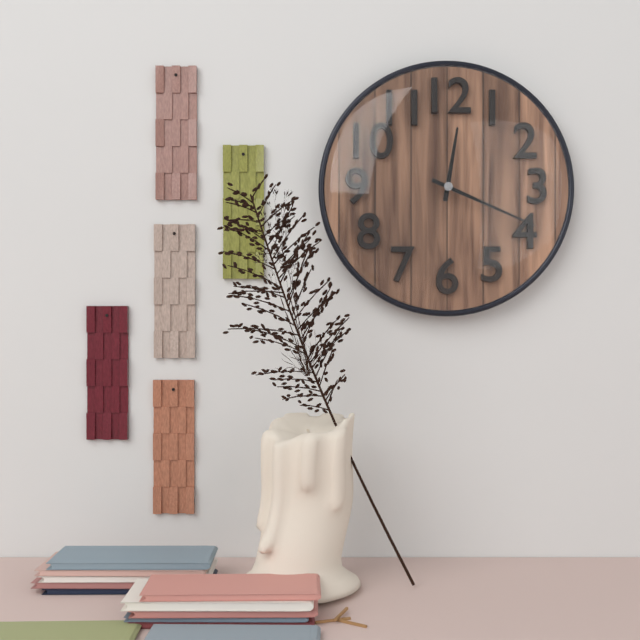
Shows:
12:19
